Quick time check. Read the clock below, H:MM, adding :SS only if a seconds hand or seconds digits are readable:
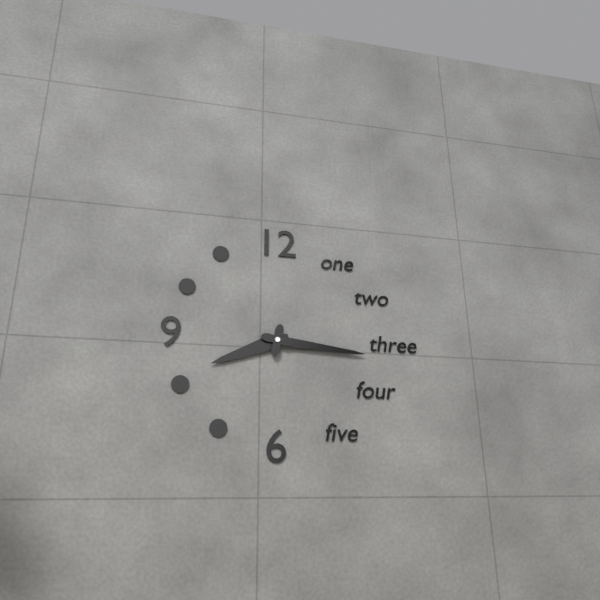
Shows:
8:16
